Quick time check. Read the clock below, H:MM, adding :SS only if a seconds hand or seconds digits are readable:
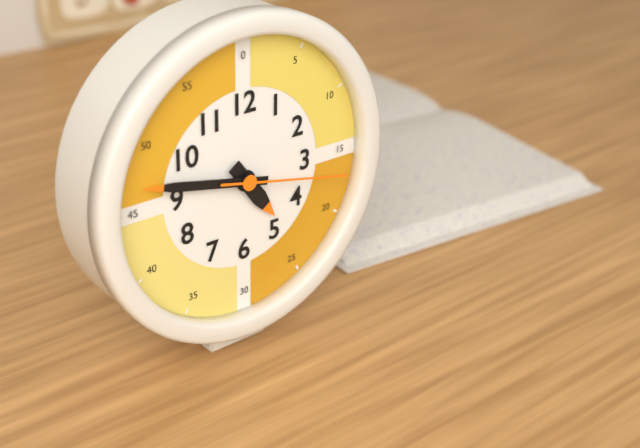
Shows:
4:47:17
